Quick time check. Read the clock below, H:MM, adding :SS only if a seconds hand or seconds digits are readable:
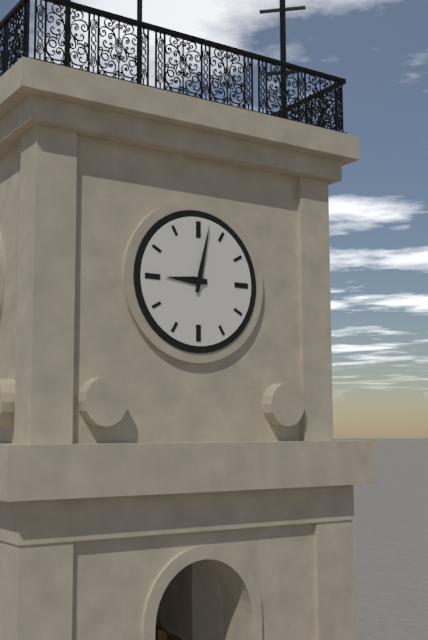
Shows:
9:02
